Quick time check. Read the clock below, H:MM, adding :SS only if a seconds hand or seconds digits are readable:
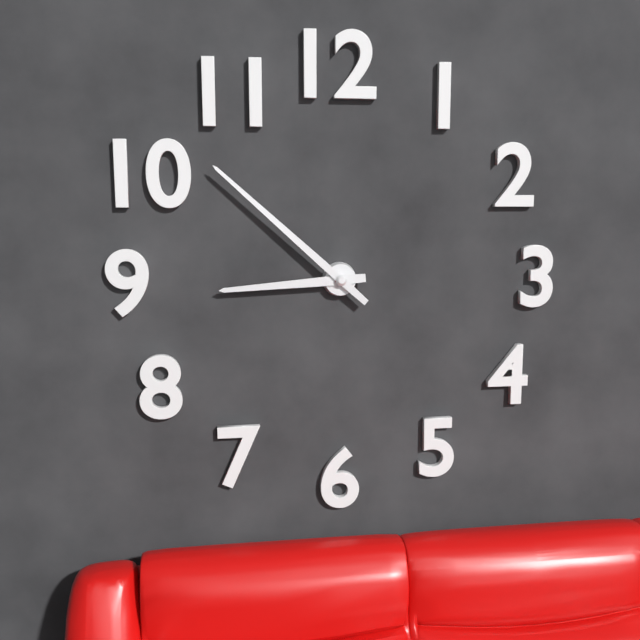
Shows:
8:52
